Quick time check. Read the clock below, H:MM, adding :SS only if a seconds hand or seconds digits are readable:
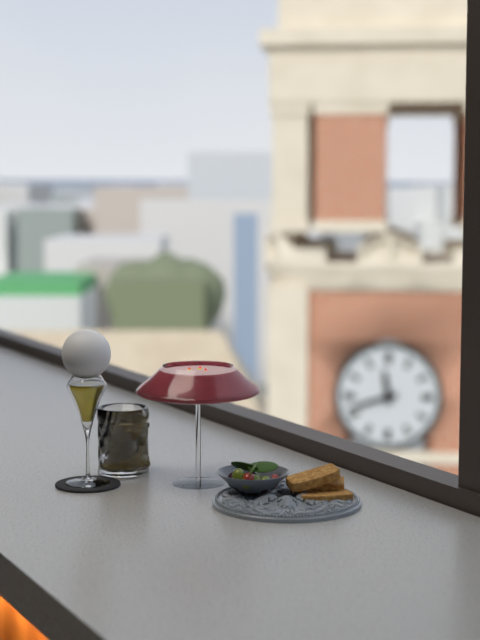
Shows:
11:42
